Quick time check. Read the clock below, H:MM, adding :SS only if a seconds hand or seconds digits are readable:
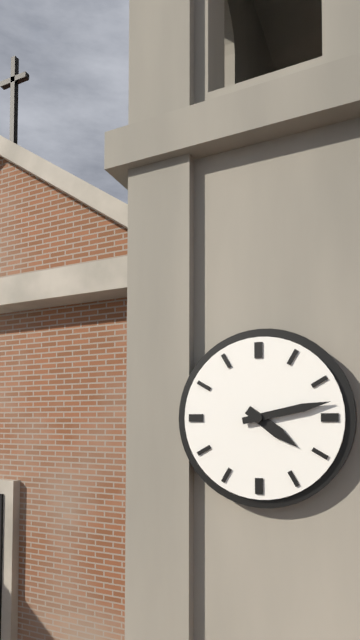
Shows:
4:13
